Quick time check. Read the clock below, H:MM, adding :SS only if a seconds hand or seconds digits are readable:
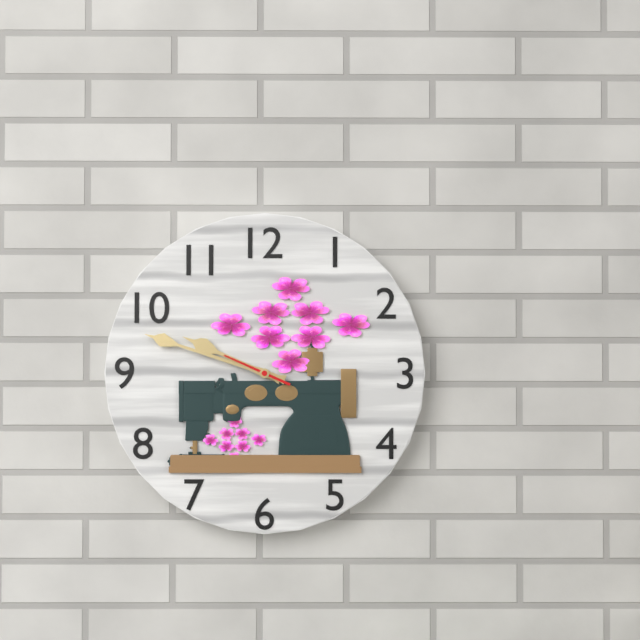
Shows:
9:48:49
